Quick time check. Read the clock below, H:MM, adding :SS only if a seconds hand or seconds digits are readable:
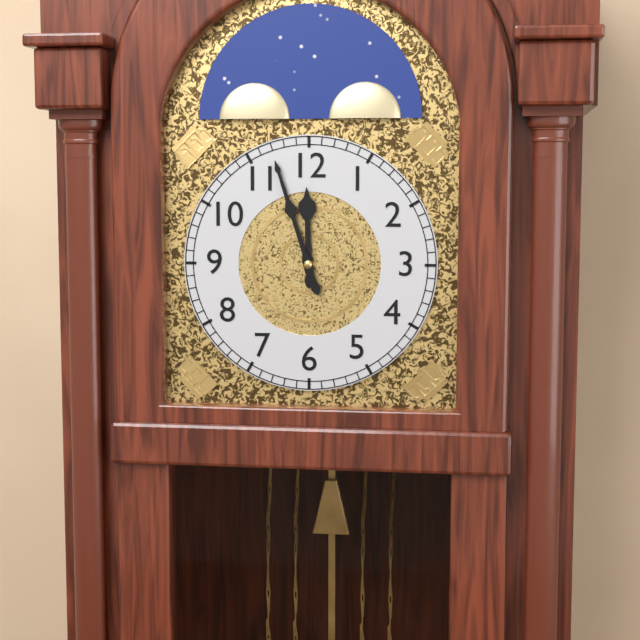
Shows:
11:57
